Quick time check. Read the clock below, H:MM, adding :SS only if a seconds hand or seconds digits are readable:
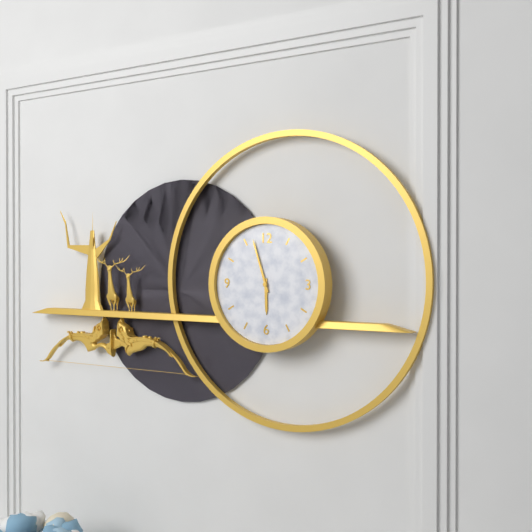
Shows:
5:57
